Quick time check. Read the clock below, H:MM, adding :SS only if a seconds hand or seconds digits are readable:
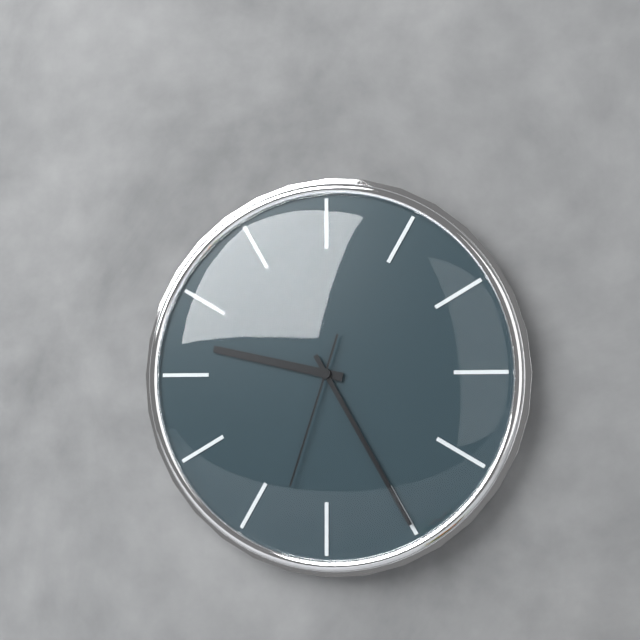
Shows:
9:25:33
